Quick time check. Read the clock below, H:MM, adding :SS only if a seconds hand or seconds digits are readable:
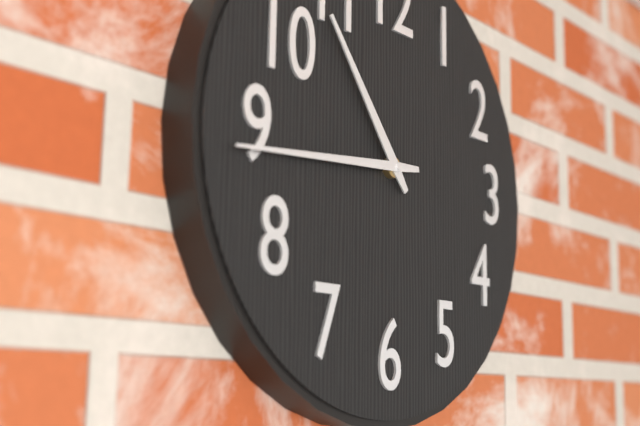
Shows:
10:44
